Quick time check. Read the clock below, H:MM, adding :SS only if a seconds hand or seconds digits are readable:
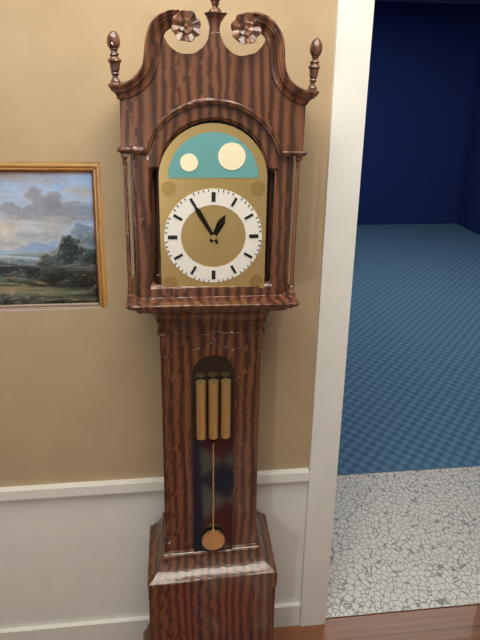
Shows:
12:55
